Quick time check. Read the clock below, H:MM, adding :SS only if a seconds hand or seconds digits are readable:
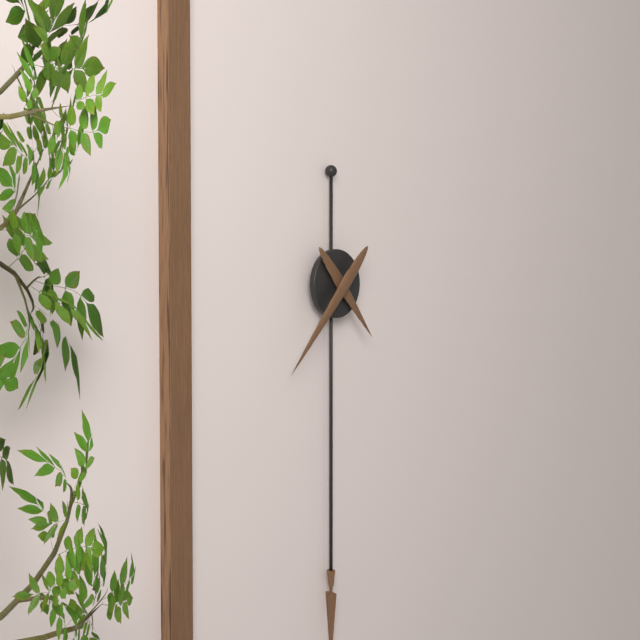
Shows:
4:37
